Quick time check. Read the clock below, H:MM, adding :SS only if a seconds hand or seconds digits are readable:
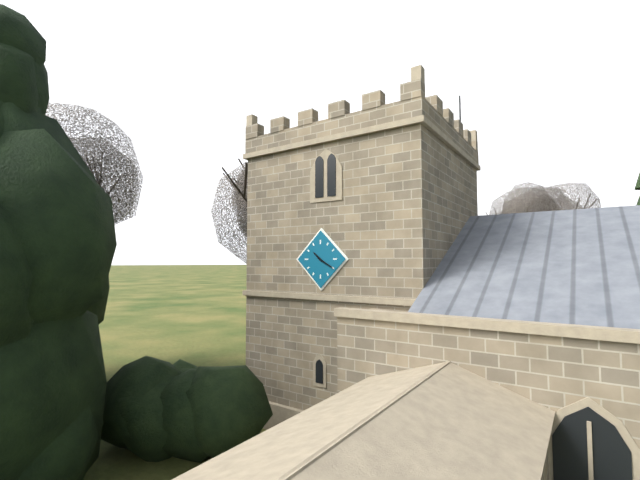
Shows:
10:20
